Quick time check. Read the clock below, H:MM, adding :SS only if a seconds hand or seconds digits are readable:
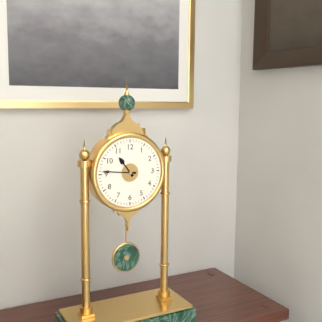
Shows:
10:46
